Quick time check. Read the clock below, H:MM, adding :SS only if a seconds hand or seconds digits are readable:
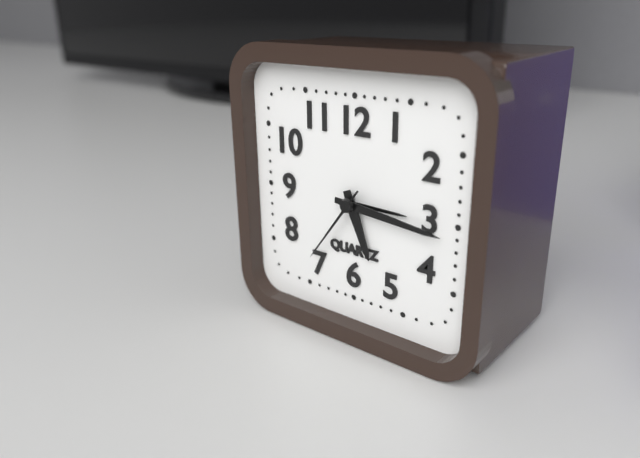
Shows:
5:16:36
